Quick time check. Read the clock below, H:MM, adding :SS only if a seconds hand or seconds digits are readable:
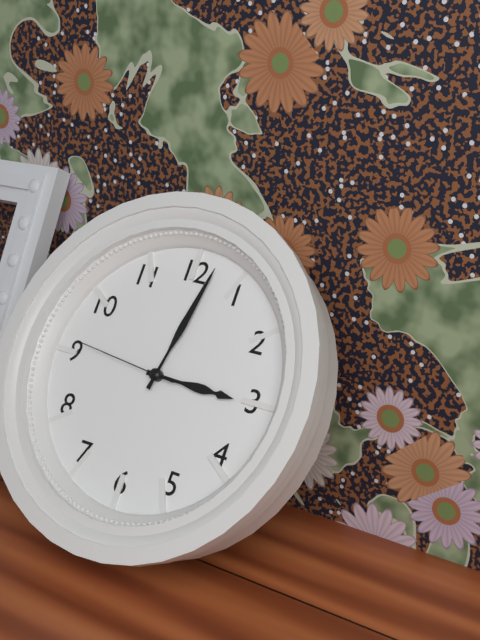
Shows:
3:02:46
